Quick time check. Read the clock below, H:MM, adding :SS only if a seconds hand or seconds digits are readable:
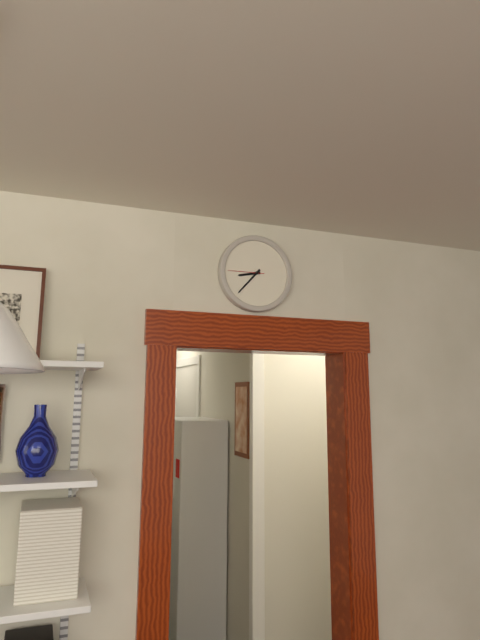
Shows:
8:37
